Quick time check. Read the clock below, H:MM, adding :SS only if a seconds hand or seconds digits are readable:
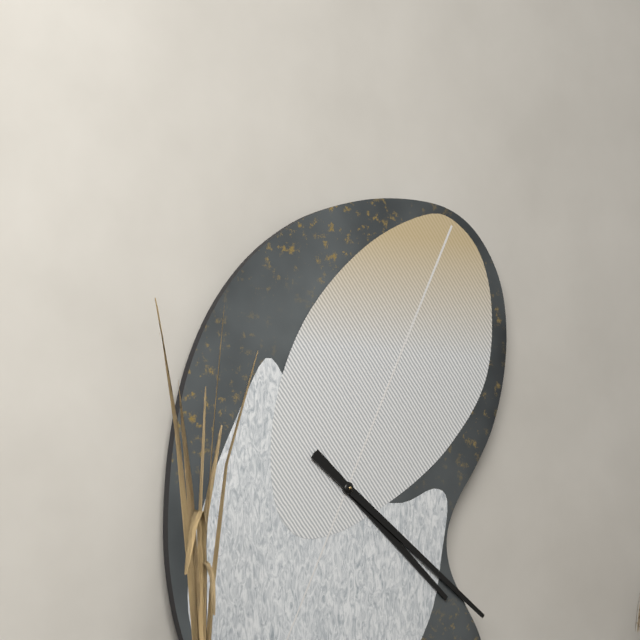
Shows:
4:21
